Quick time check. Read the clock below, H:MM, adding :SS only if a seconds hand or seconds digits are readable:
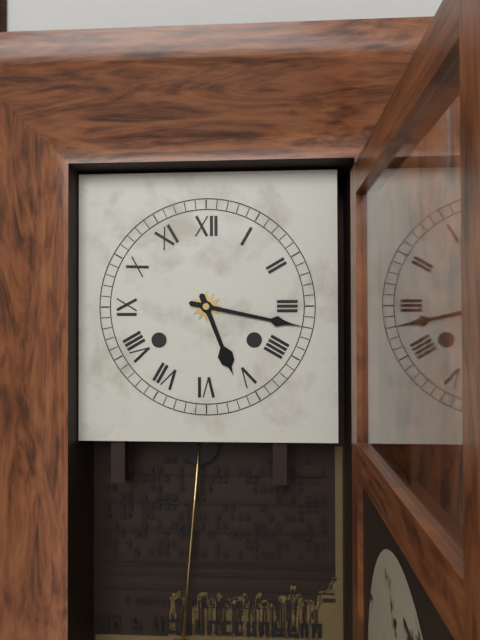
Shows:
5:17
